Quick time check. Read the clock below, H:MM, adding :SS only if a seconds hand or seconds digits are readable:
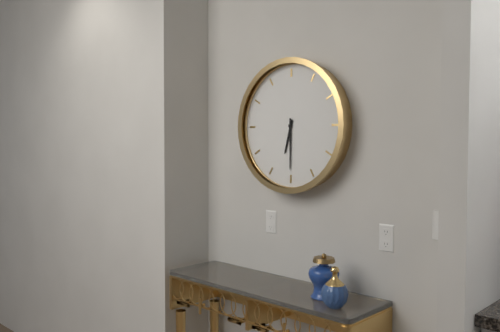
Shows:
6:30
